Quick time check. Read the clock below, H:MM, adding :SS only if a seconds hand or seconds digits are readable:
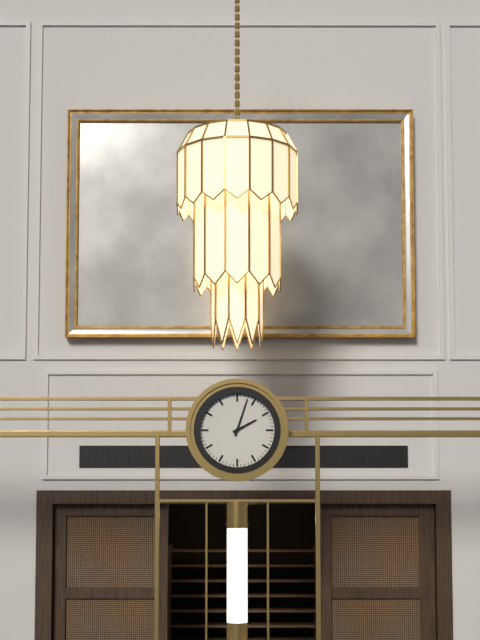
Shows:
2:03
